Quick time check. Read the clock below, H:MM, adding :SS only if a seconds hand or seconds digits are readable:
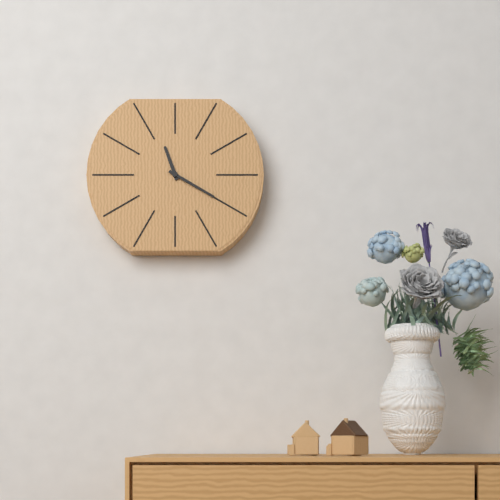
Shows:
11:20
